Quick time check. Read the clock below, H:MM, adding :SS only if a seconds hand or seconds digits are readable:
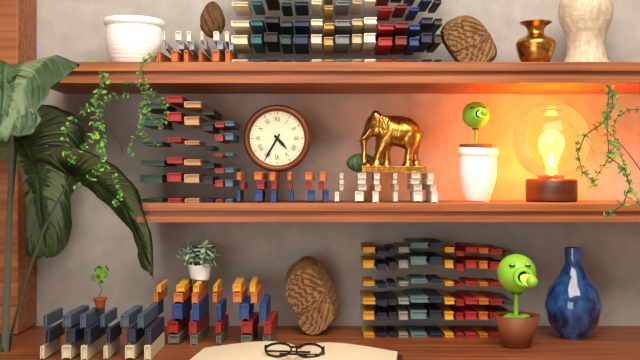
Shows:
4:35
